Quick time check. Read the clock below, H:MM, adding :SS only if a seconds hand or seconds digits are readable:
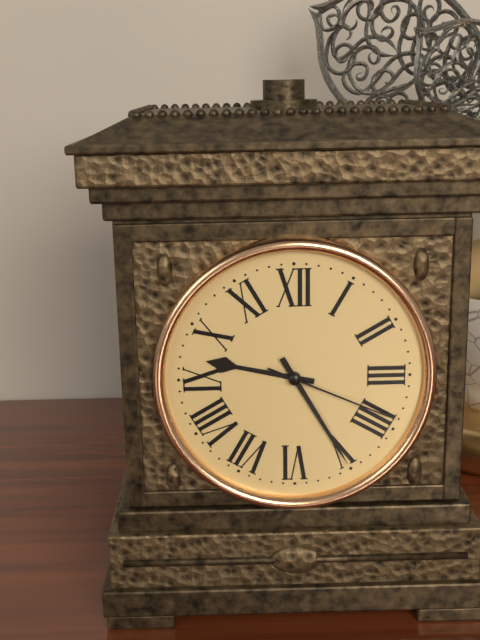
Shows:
9:25:19
